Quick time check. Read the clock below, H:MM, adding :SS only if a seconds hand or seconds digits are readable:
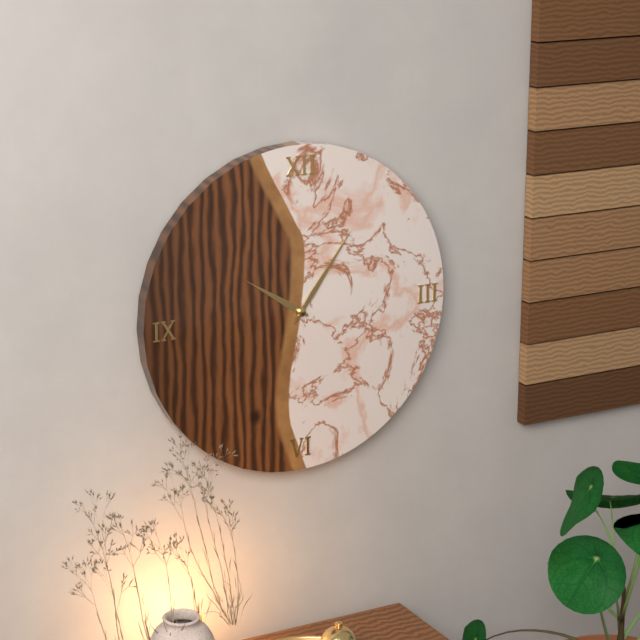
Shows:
10:06
